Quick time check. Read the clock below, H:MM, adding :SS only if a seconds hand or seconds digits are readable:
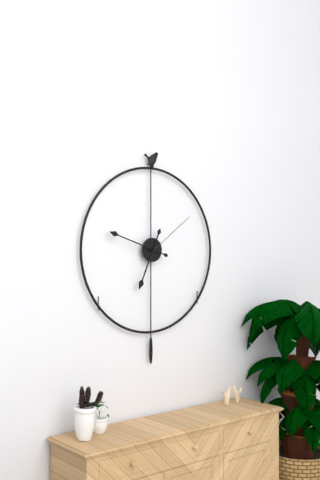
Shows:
6:48:09
